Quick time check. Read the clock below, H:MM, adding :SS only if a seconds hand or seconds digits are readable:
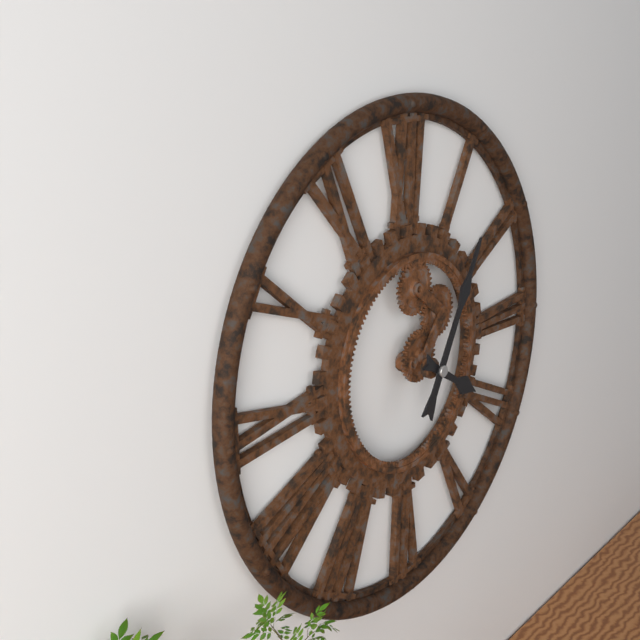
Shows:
4:05
